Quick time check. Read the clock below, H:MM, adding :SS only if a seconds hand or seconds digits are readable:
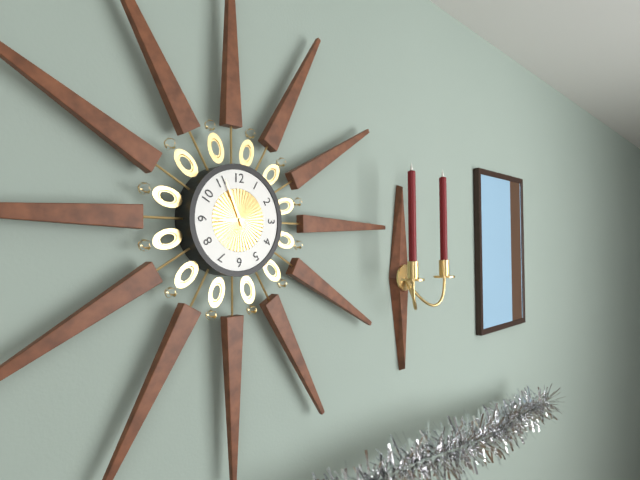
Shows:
8:56
